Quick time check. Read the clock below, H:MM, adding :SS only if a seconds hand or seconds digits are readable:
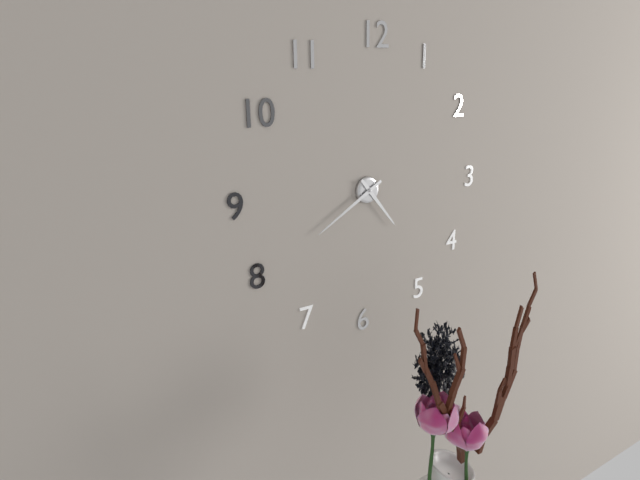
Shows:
4:40
